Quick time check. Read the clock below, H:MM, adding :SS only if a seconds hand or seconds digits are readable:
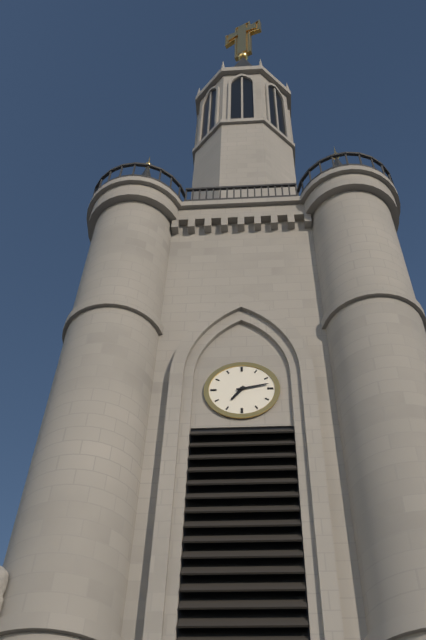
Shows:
7:13
